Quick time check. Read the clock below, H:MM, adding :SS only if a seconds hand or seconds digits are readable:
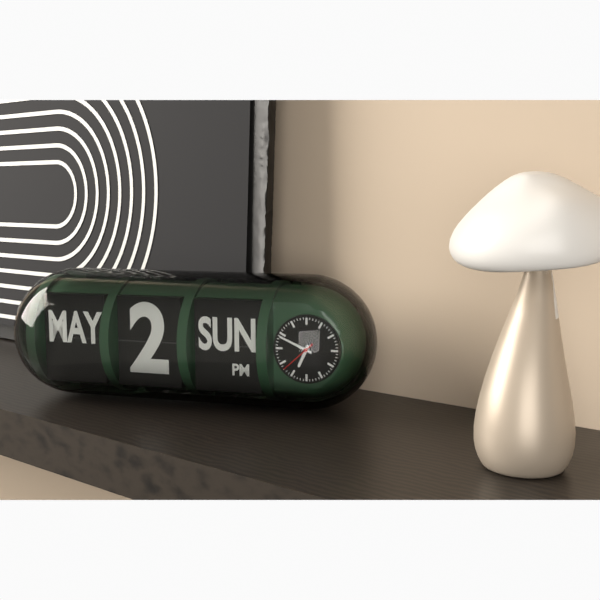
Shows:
6:49
